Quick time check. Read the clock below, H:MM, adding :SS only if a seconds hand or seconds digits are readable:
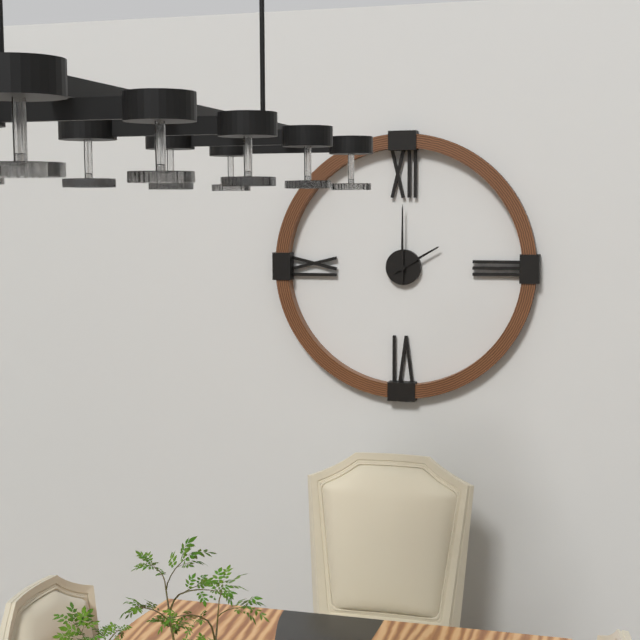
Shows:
2:00
